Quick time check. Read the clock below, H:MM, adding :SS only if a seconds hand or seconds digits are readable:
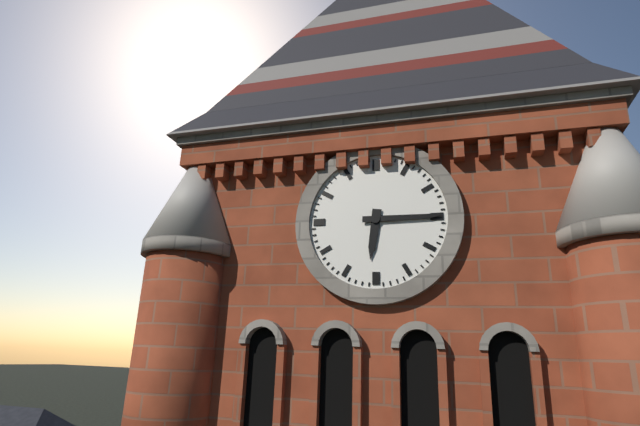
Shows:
6:15
